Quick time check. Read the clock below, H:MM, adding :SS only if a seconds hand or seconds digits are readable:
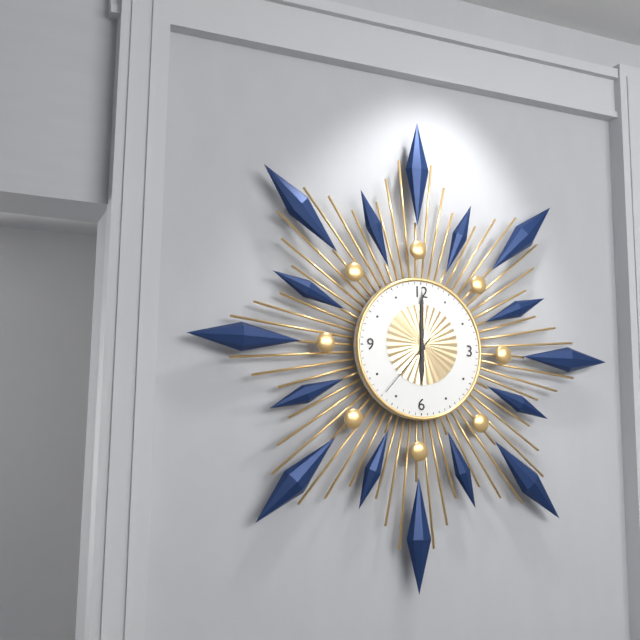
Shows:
6:00:37
